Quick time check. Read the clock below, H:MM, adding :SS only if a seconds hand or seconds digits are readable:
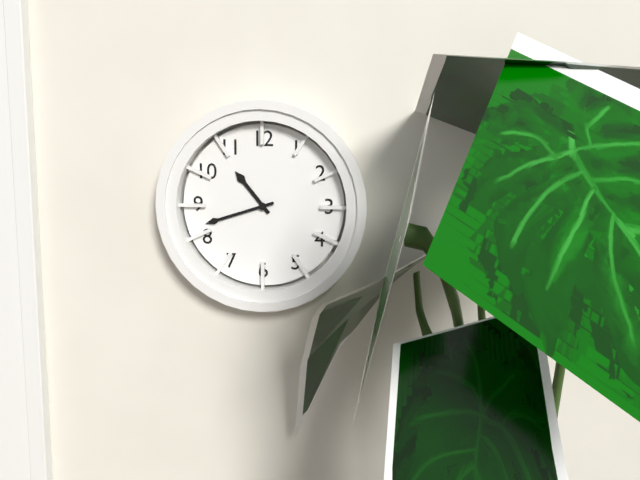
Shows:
10:42
